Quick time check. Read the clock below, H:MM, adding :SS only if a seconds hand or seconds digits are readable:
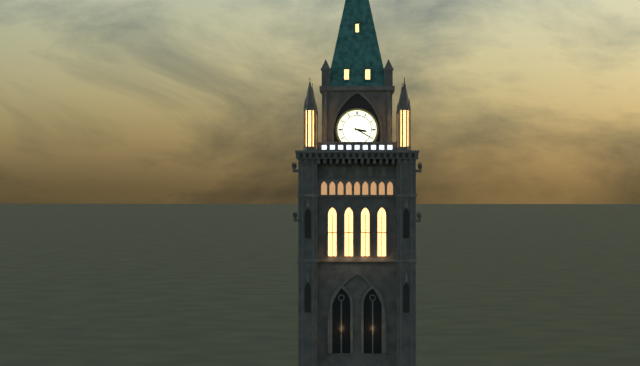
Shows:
3:20
